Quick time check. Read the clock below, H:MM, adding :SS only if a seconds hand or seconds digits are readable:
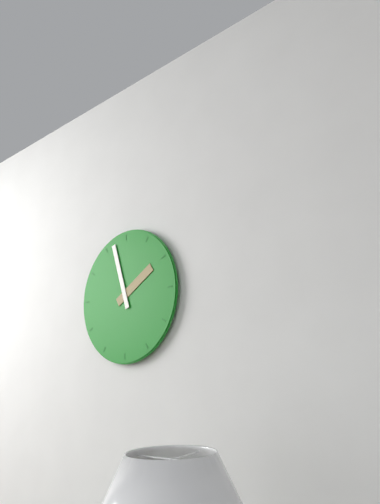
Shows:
1:57
